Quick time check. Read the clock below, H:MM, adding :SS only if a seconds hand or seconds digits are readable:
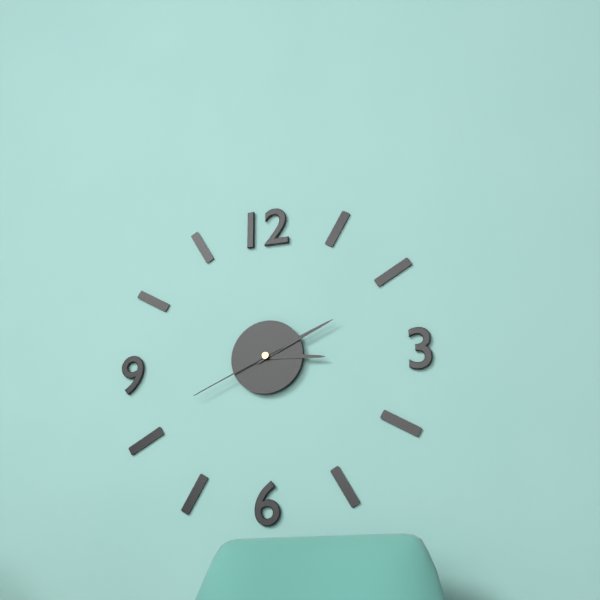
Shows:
3:11:41
